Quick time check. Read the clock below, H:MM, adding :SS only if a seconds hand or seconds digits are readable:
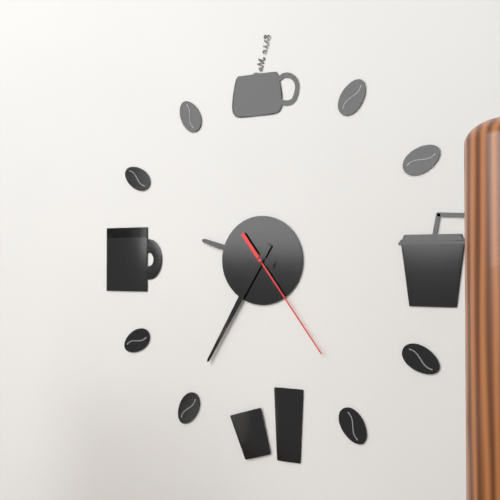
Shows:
9:35:24
